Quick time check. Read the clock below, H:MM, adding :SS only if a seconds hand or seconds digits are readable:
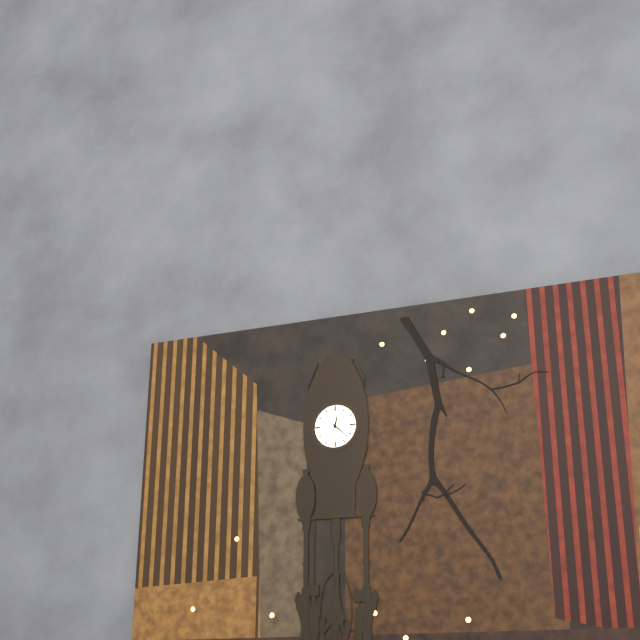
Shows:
12:22
